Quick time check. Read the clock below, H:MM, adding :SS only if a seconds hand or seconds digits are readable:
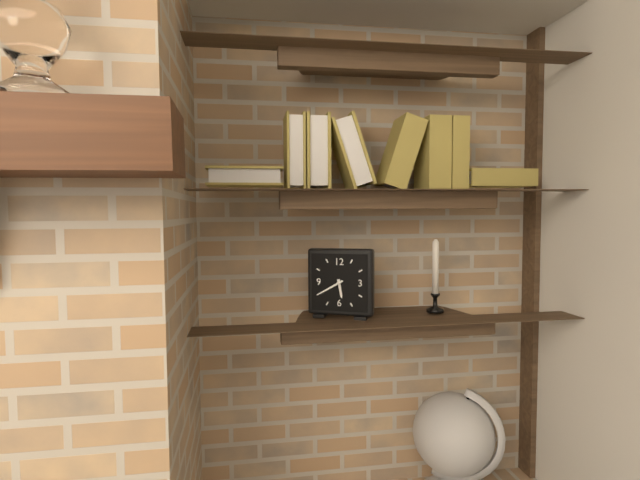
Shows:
5:40
